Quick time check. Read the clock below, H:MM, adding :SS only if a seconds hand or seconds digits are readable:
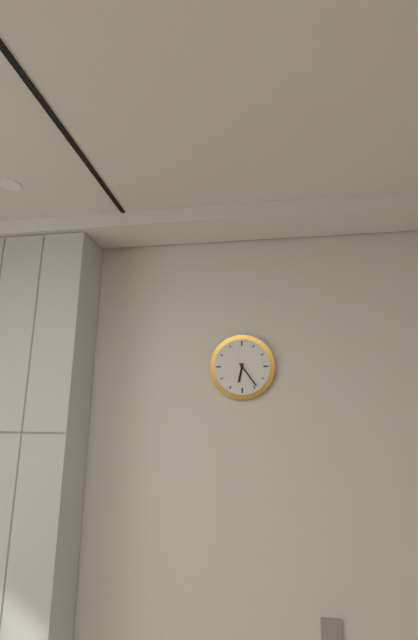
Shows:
6:24
